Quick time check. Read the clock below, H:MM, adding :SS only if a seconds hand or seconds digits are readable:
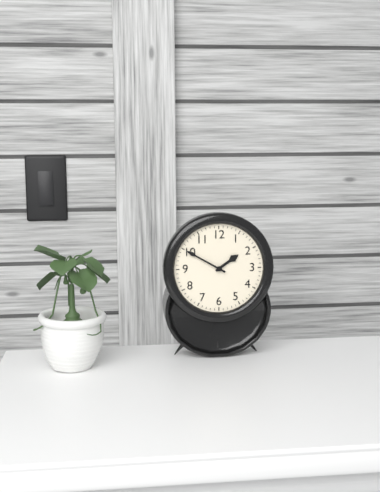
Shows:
1:50
